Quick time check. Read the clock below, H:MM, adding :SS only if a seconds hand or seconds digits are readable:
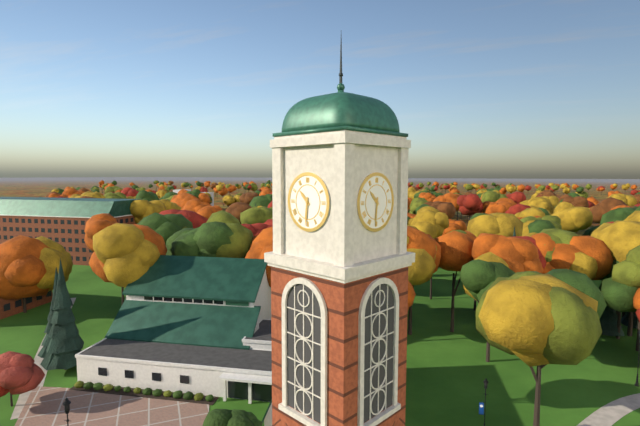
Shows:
10:31
